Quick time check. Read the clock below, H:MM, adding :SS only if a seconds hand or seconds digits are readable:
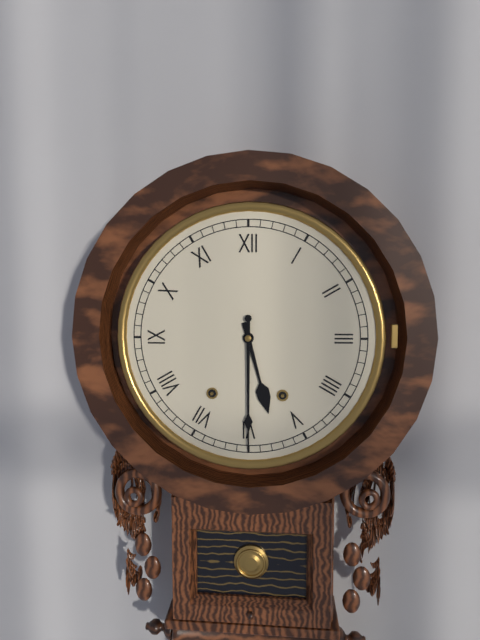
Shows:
5:30
